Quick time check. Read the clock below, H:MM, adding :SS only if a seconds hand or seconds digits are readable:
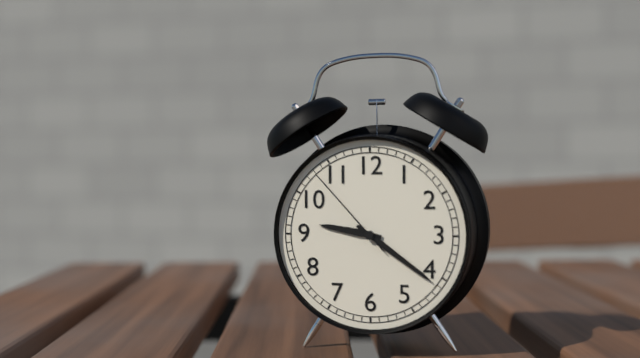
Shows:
9:21:53
